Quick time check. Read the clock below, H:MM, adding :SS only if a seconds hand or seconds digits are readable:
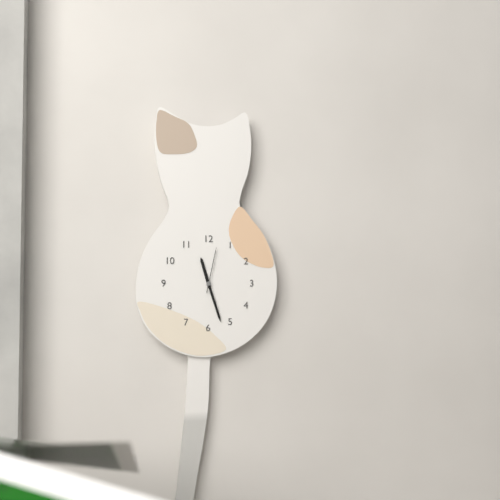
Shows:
11:27
